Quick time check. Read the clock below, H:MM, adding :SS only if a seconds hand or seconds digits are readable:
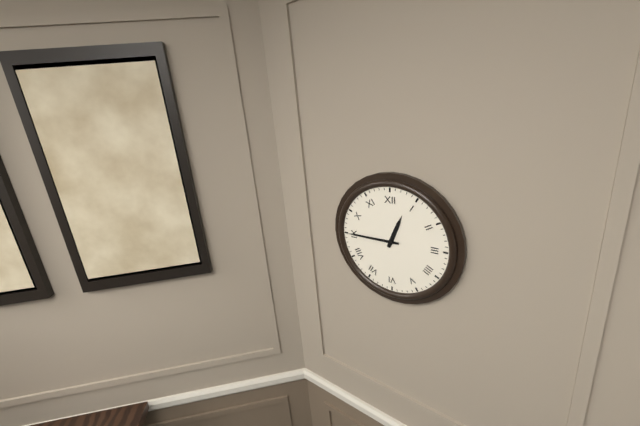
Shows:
12:45
